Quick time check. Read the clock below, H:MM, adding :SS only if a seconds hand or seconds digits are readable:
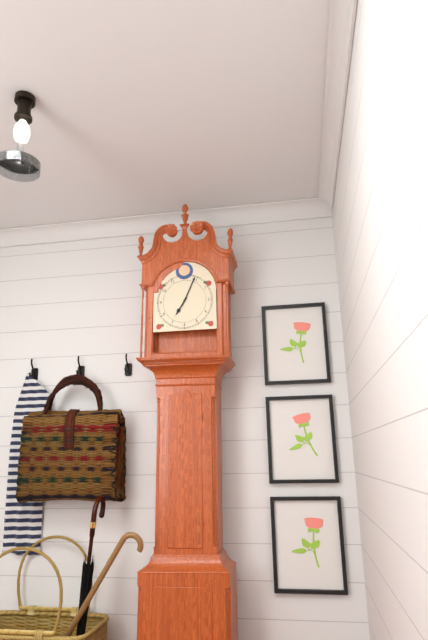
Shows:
7:04
